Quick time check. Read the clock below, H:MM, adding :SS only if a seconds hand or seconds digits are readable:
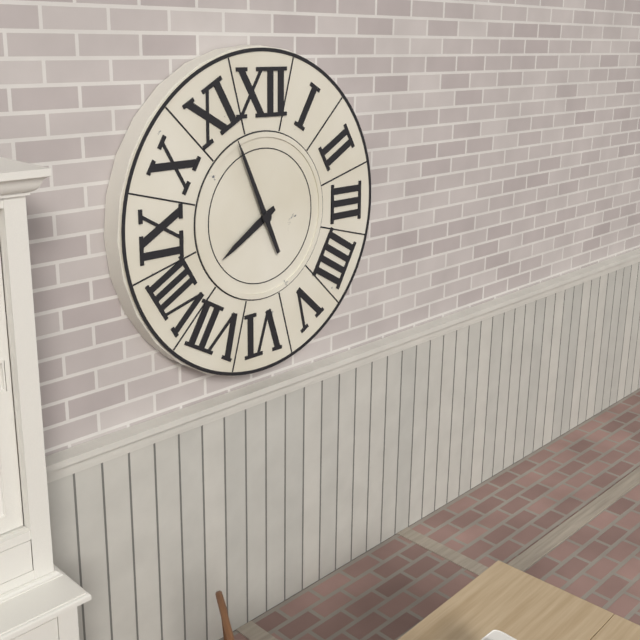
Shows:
7:56
